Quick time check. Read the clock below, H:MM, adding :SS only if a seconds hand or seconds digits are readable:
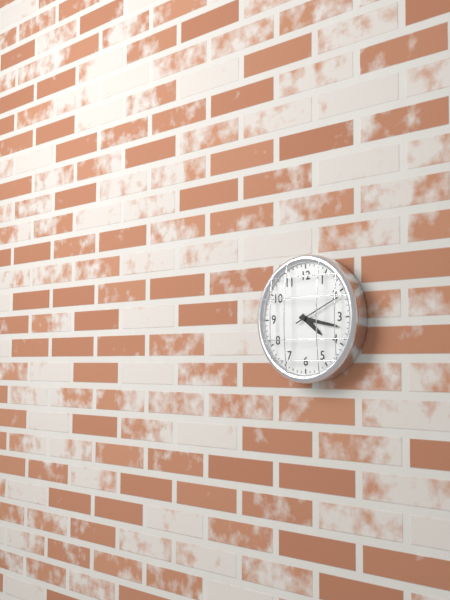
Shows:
4:17
